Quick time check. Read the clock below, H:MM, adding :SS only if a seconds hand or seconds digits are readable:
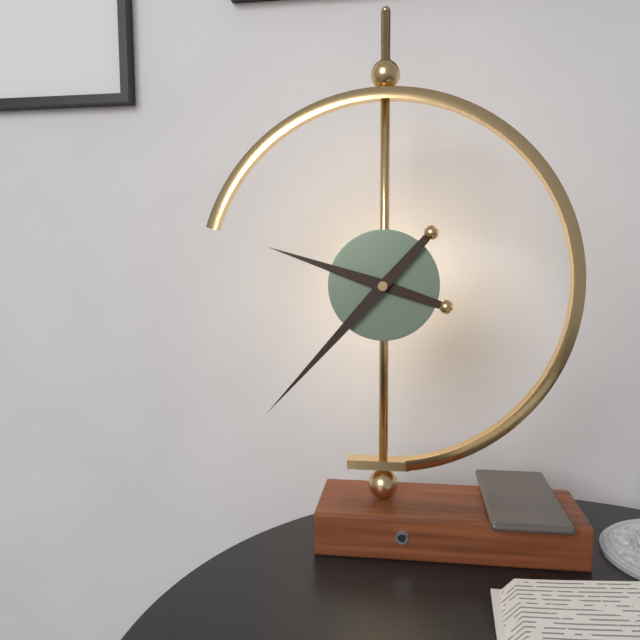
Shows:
9:37
